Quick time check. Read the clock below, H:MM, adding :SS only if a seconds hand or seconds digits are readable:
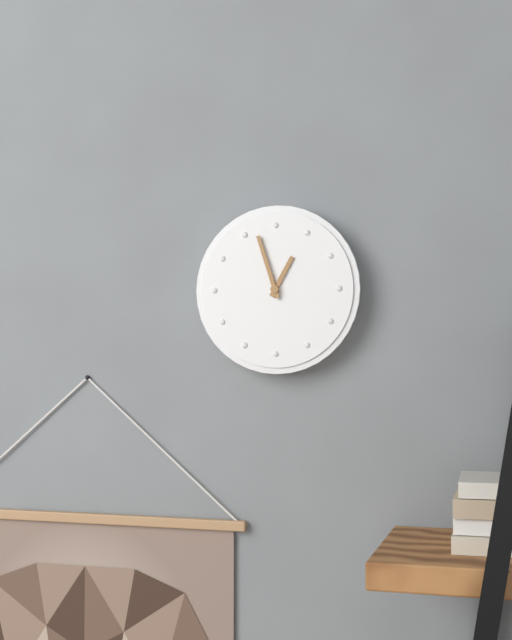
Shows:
12:57
